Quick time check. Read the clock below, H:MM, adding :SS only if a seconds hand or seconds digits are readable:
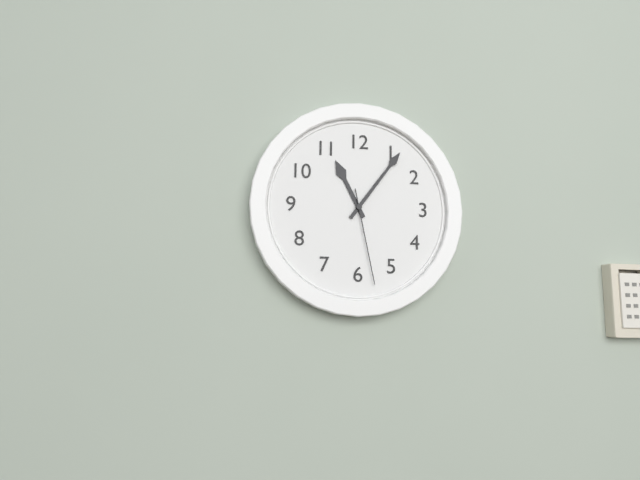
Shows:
11:06:28
